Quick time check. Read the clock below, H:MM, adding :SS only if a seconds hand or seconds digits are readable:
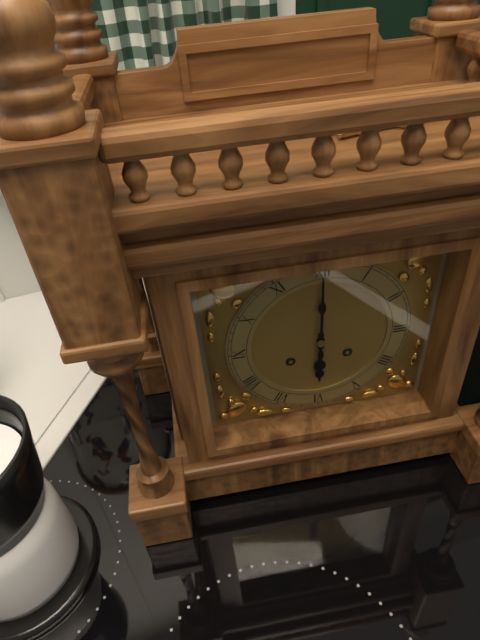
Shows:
6:00
